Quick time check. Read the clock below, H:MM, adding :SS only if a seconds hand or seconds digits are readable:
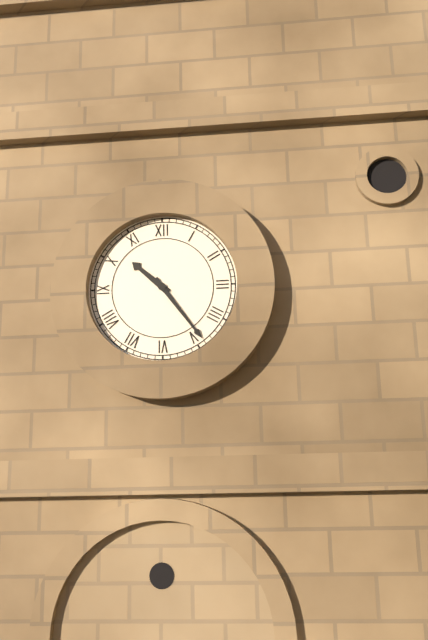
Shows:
10:24
